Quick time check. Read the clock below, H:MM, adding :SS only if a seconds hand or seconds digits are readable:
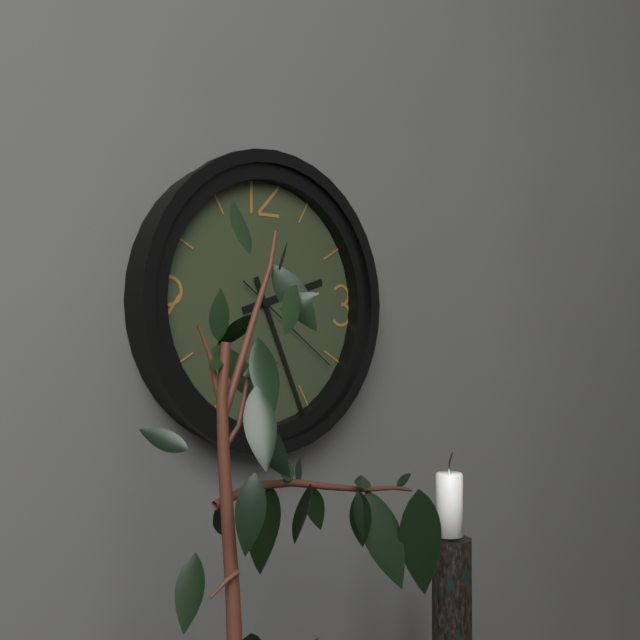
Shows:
2:26:21
